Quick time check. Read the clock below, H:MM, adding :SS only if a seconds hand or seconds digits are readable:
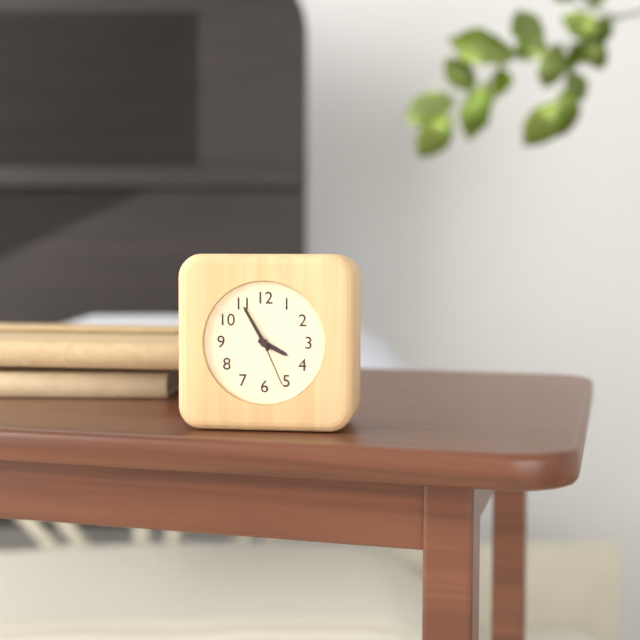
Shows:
3:55:26
